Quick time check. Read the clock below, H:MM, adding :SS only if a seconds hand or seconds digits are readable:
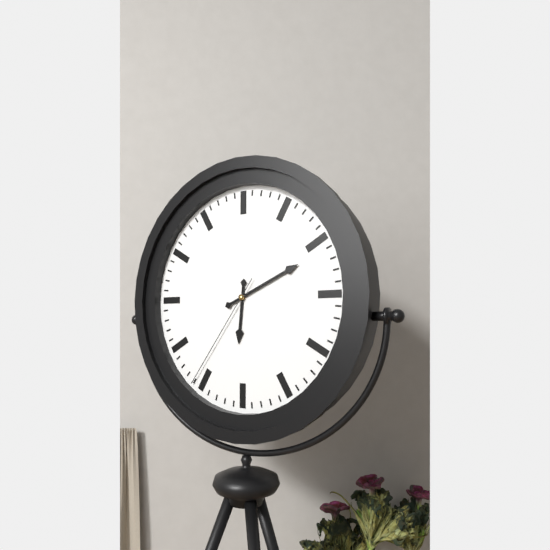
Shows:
6:11:36
